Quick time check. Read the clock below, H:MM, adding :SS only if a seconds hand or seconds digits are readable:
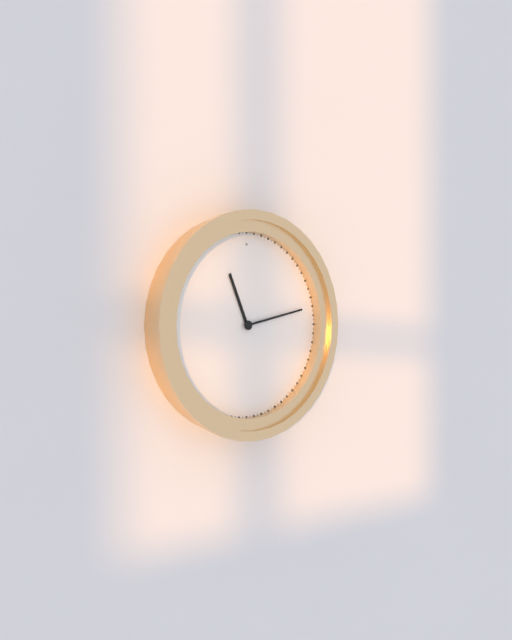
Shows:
11:13
